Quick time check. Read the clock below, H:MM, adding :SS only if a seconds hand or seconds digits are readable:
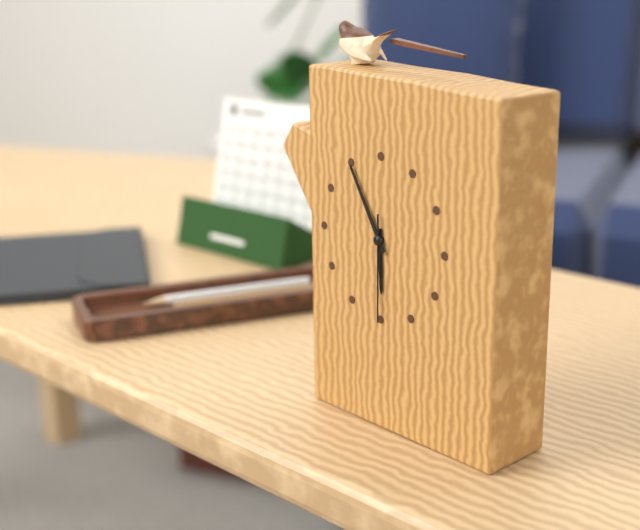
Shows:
5:55:30
